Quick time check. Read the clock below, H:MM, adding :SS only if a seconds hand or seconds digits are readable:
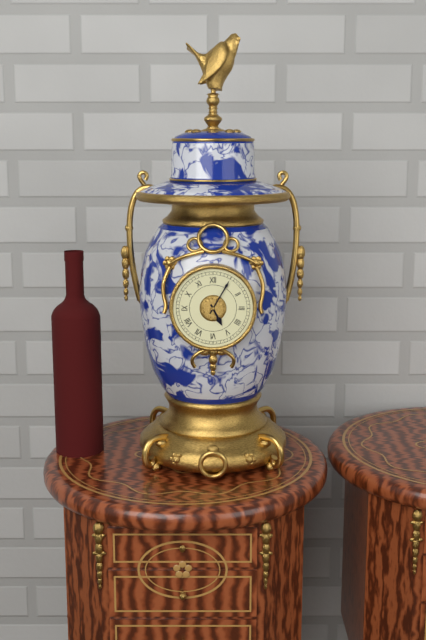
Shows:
5:05
